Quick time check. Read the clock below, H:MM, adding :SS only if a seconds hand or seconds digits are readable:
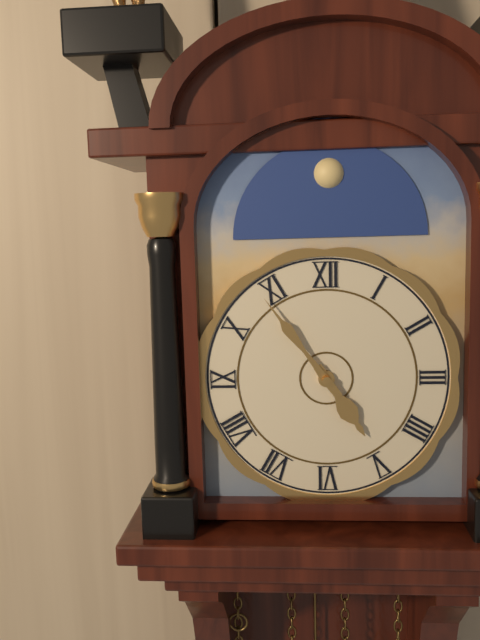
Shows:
4:54
